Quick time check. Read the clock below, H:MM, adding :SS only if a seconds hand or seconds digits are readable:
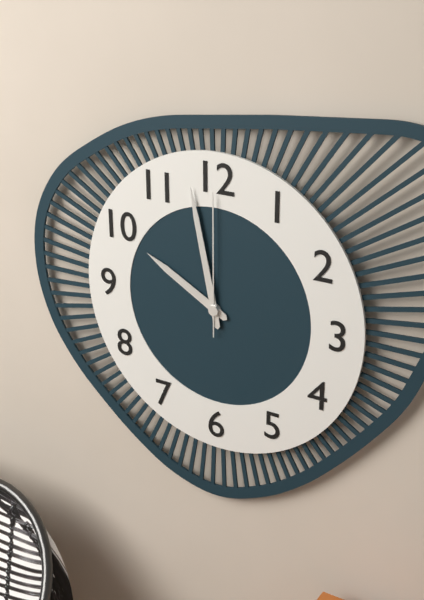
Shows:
9:58:00
